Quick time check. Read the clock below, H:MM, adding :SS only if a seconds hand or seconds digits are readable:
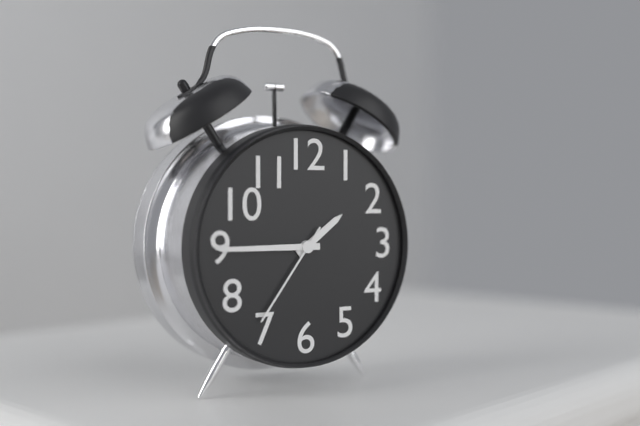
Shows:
1:45:36
